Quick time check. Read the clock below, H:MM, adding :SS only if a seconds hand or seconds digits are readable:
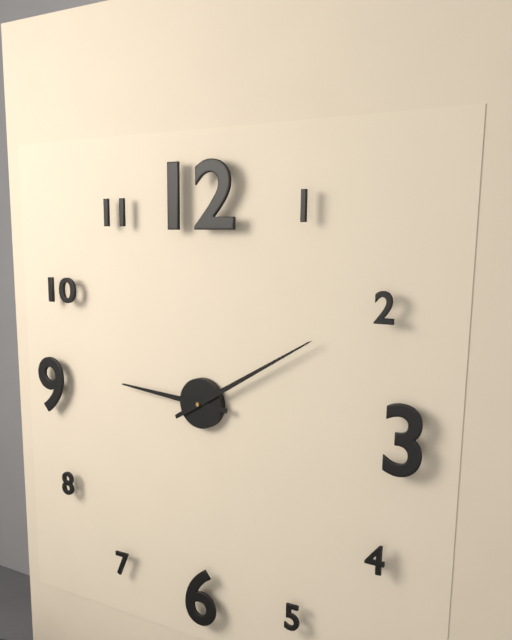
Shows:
9:10
